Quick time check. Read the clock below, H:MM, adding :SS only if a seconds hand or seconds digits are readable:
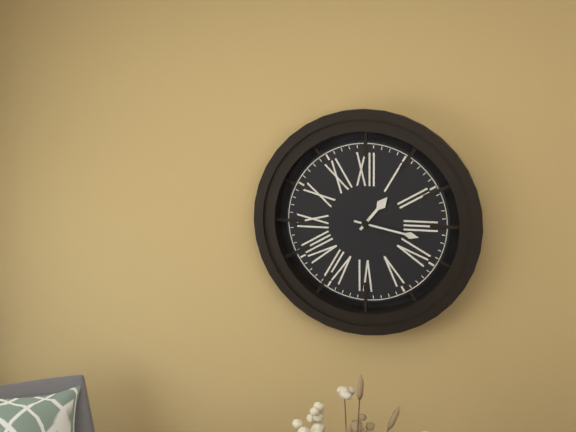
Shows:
1:17
